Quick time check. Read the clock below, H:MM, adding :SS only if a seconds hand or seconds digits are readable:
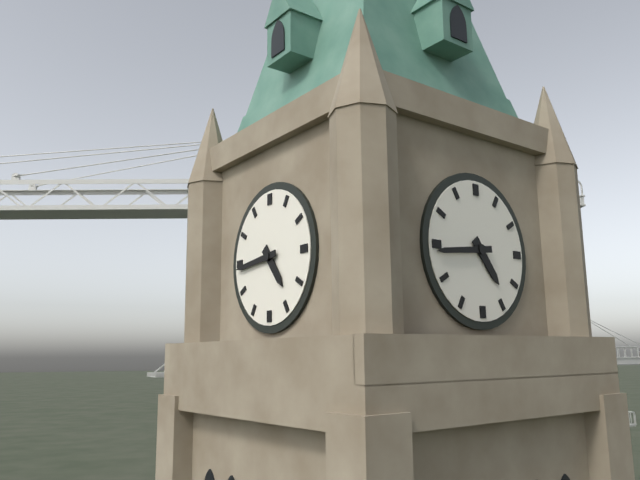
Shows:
4:44
